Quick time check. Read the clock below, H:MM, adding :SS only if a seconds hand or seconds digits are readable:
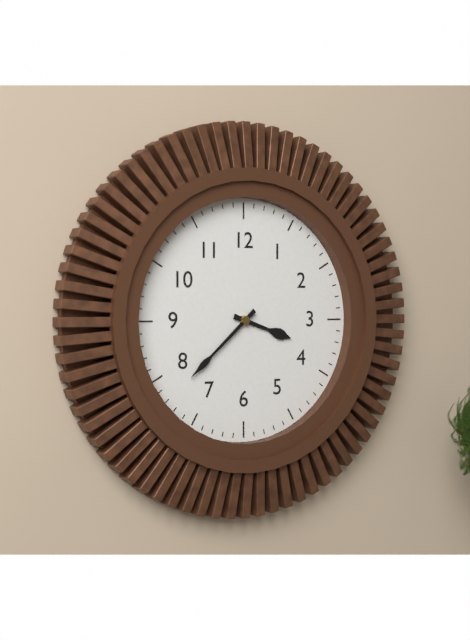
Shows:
3:38
